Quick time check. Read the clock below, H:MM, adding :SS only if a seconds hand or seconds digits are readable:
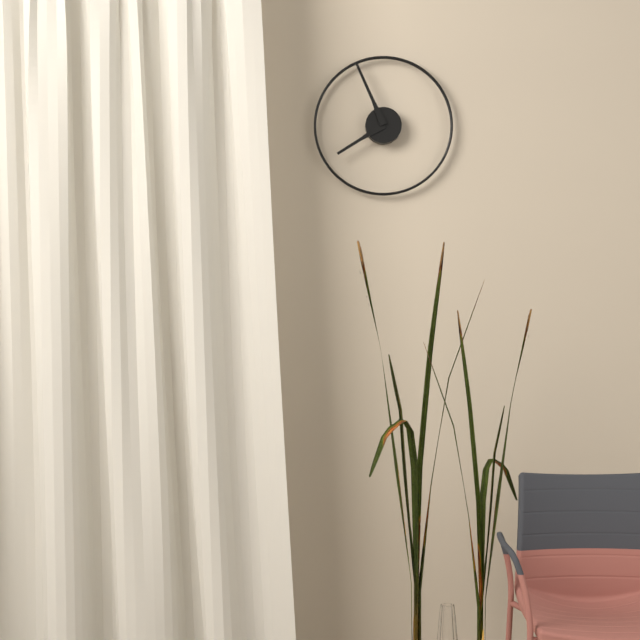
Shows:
7:56
